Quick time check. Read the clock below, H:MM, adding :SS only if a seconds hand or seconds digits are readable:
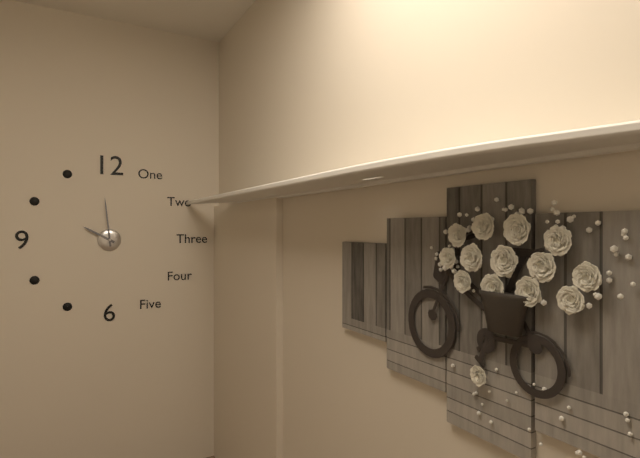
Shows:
9:59
